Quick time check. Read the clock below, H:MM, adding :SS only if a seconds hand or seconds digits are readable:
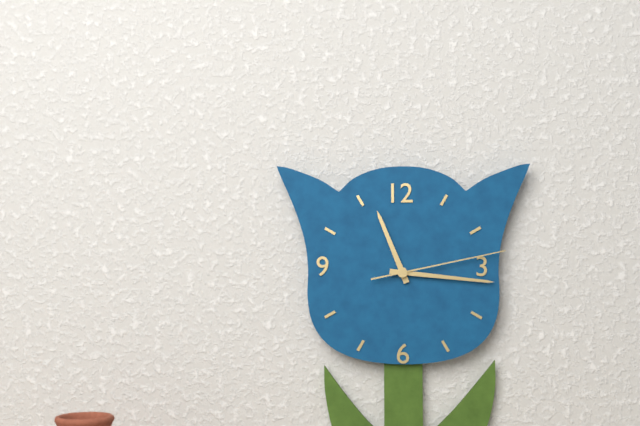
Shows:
11:16:13
